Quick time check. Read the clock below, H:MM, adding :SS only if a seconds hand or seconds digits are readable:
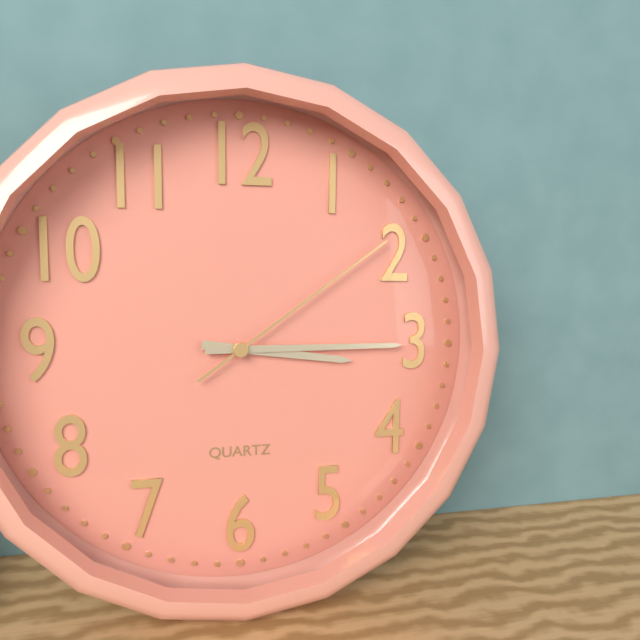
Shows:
3:15:09
